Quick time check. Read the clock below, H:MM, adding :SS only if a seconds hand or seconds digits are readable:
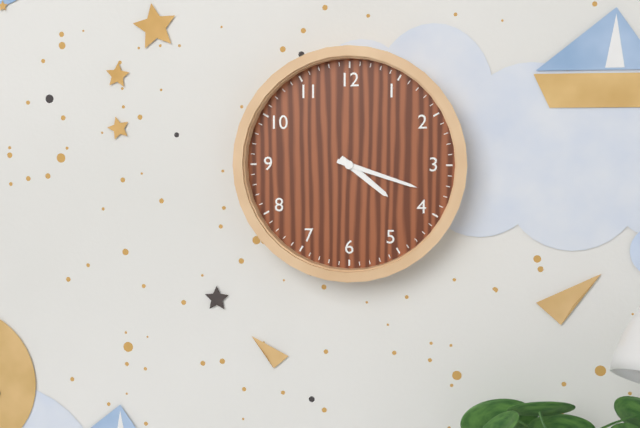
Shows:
4:18
